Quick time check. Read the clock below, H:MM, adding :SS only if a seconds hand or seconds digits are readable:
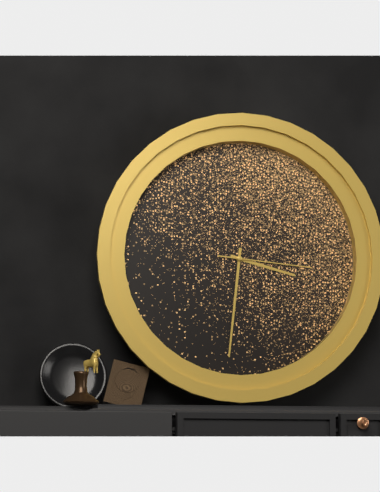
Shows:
3:31:16
